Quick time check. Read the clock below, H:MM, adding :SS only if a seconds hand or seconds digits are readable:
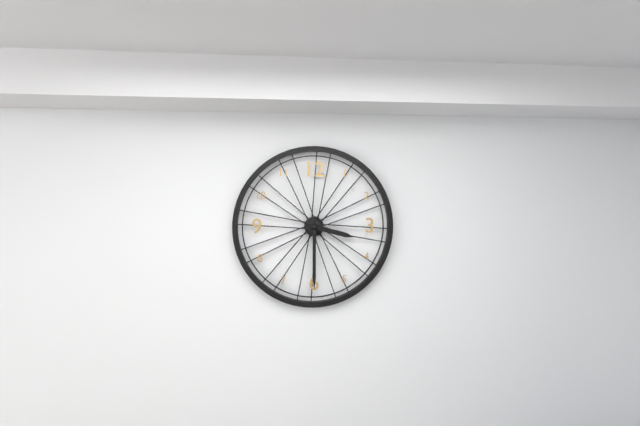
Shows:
3:30
